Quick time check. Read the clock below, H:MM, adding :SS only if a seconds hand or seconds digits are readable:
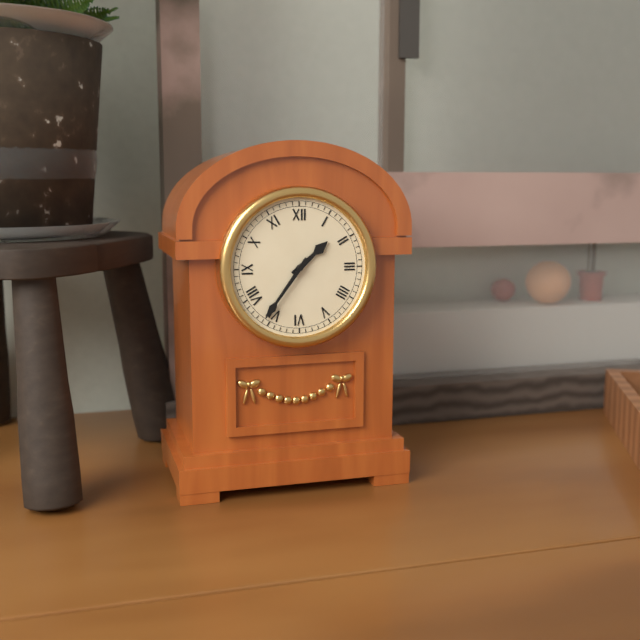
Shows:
1:36
